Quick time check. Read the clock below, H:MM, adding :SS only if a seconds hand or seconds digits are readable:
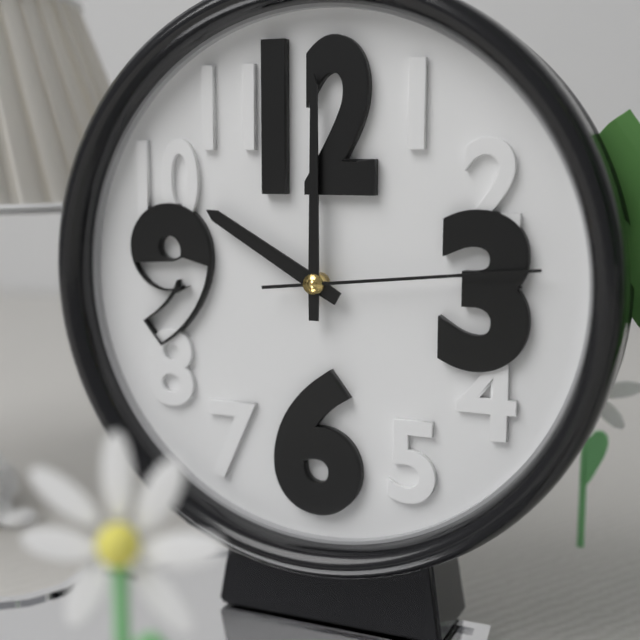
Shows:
10:00:14
